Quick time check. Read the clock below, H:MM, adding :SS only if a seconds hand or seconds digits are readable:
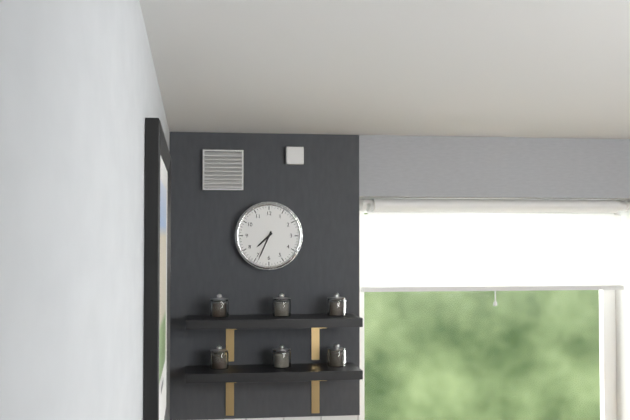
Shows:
7:34
